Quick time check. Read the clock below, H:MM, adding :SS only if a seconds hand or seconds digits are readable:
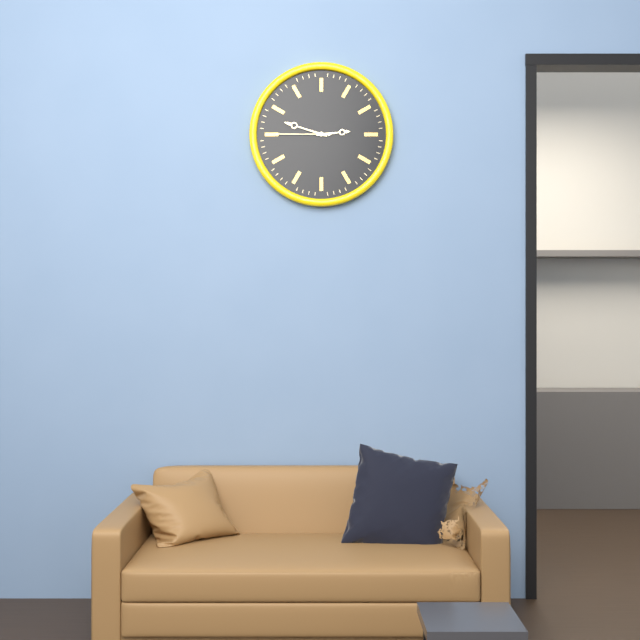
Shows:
2:48:45
